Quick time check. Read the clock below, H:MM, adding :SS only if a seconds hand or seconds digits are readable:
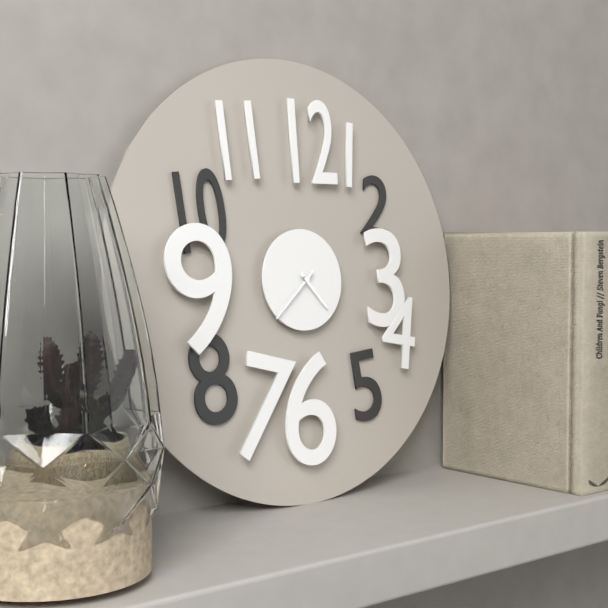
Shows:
4:38
